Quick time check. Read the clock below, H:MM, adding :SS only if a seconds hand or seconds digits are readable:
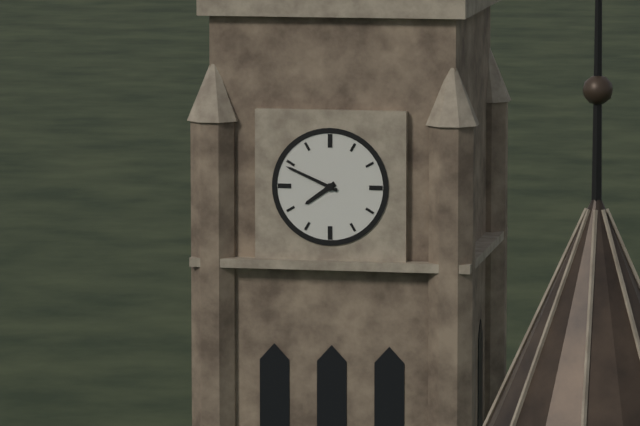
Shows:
7:49
